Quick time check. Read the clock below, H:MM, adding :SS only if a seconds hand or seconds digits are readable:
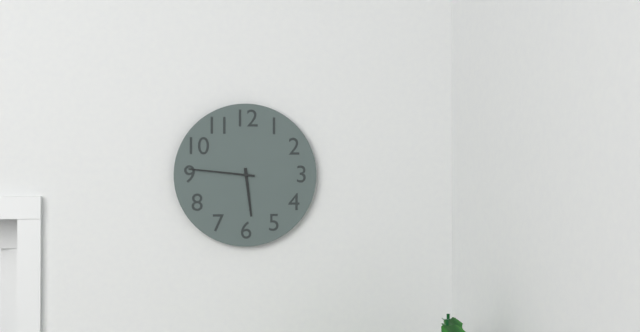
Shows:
5:46
